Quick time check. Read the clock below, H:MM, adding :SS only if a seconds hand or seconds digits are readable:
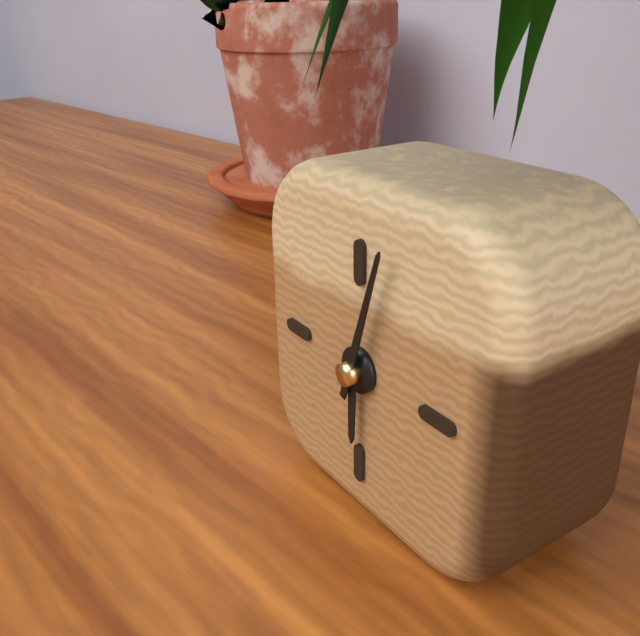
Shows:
6:03
